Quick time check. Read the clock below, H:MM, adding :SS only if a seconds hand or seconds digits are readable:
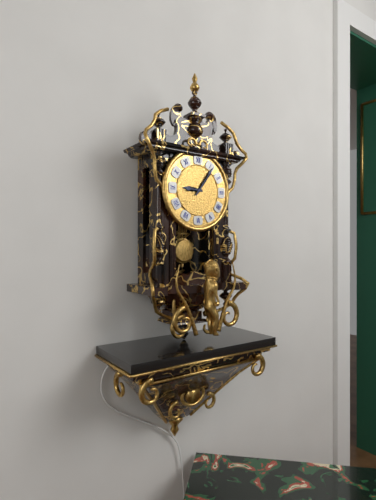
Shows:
9:06
